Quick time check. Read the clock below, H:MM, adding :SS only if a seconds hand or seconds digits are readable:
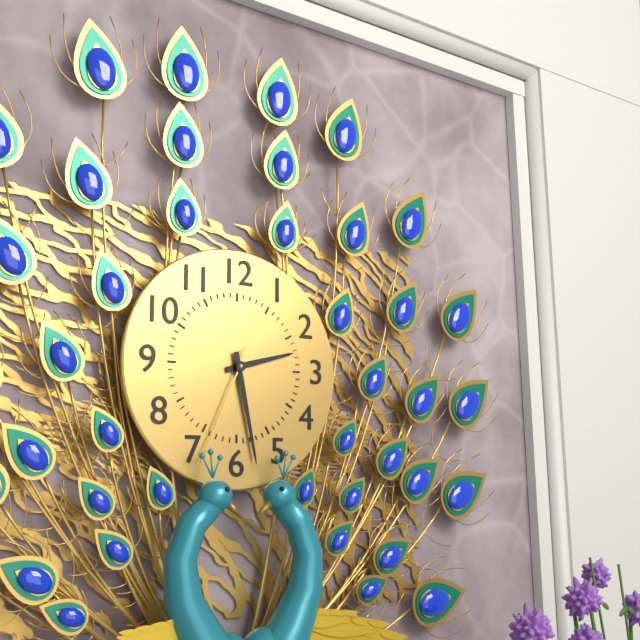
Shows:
2:28:34
